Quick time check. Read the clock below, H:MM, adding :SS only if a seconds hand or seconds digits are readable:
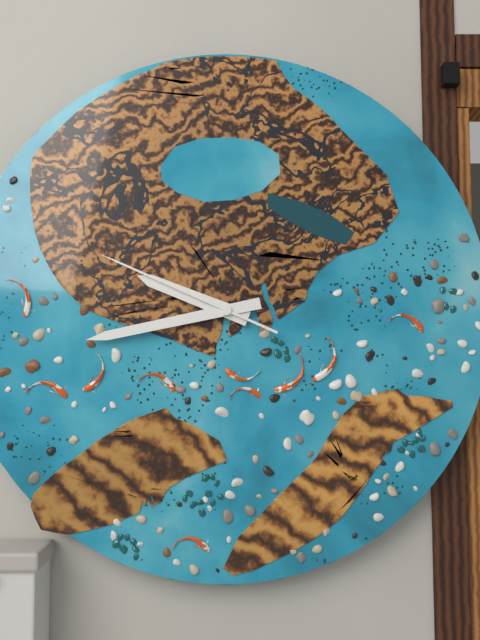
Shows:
9:43:49
